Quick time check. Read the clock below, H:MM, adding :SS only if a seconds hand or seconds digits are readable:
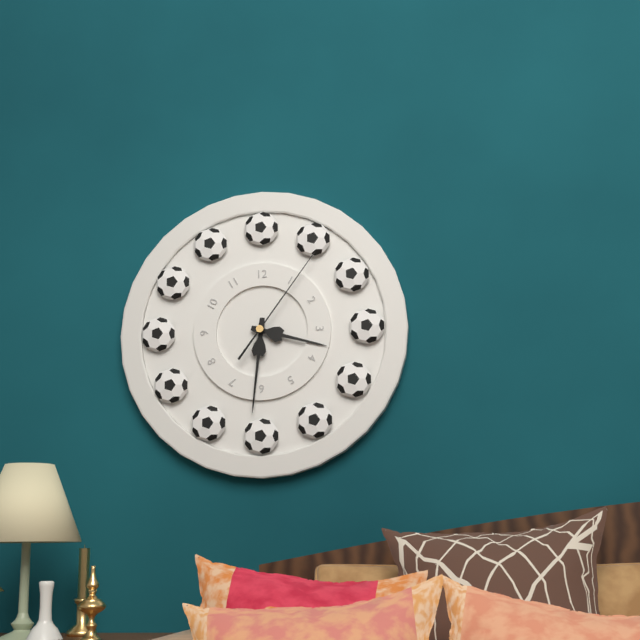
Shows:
3:31:06
